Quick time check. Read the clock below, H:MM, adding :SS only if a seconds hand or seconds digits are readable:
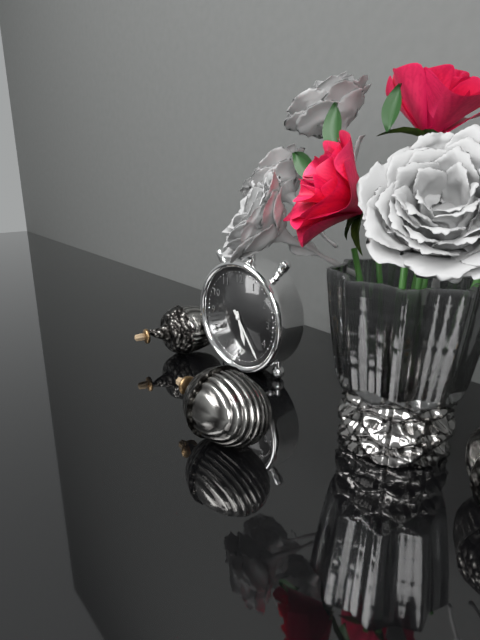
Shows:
5:24
